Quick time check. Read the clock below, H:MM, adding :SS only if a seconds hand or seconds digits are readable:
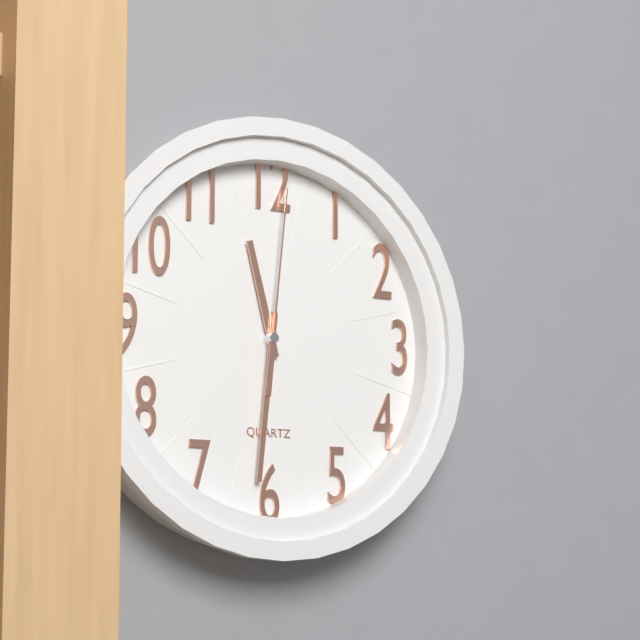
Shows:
11:31:01
